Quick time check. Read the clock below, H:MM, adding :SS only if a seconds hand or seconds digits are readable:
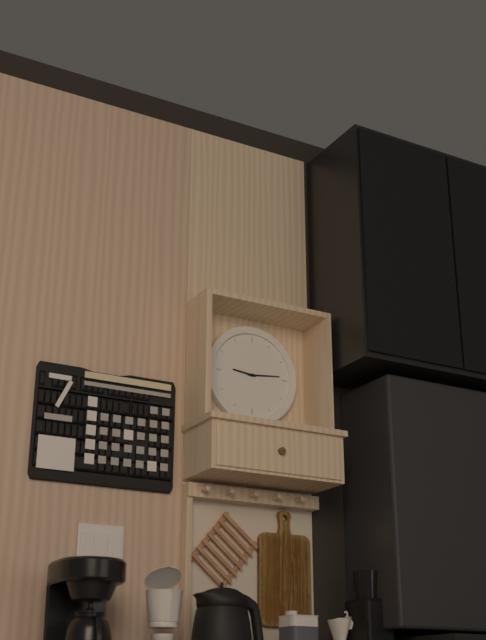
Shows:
9:14
